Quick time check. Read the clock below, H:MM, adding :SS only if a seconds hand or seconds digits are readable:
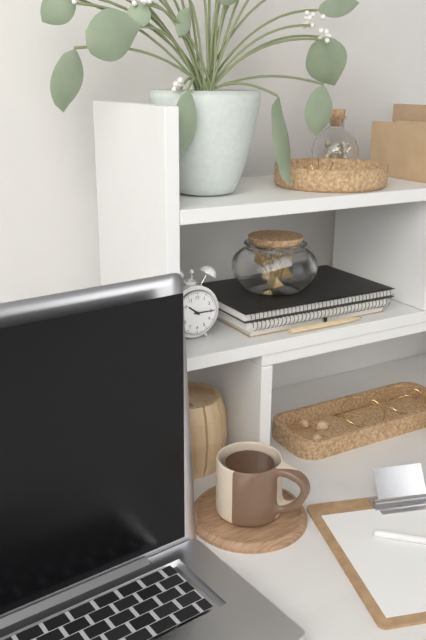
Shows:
10:15
